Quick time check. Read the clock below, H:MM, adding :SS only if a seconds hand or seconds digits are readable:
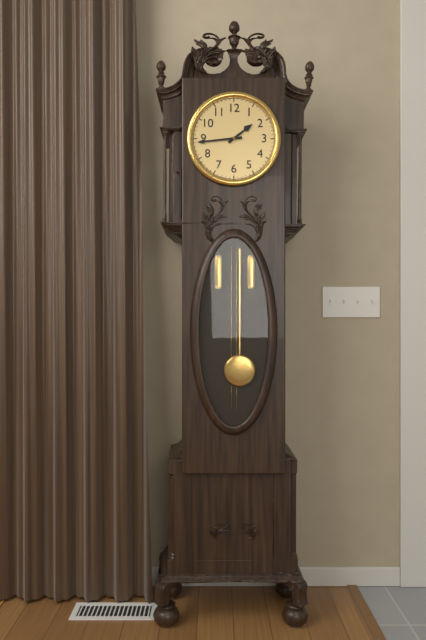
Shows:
1:44
